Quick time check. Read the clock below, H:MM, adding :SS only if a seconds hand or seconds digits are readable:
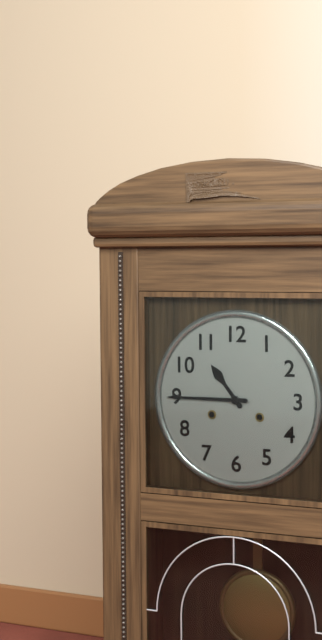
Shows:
10:45
